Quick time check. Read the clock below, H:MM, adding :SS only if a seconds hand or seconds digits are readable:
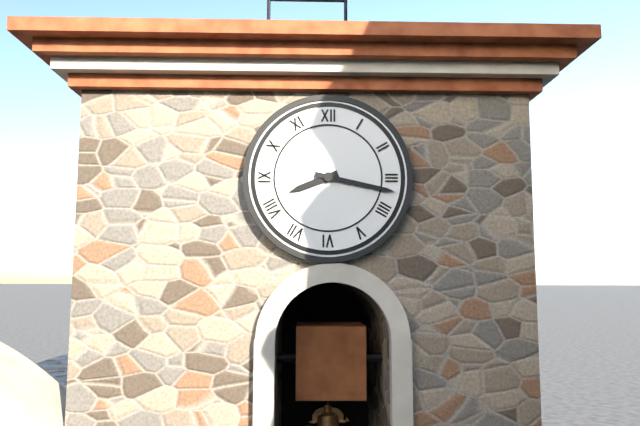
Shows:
8:17
